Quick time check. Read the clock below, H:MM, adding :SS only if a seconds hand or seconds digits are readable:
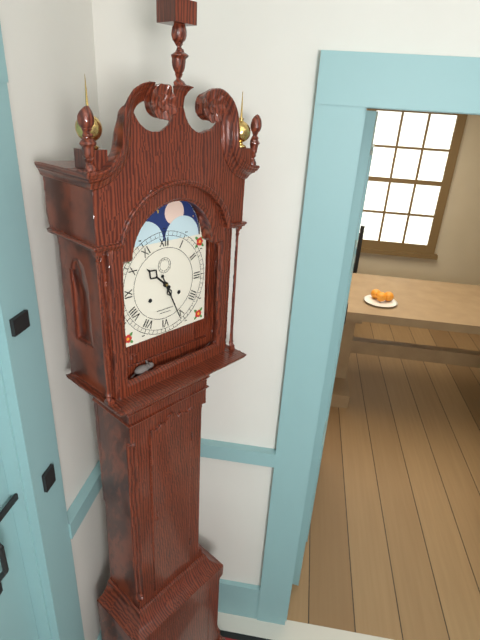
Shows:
10:26
